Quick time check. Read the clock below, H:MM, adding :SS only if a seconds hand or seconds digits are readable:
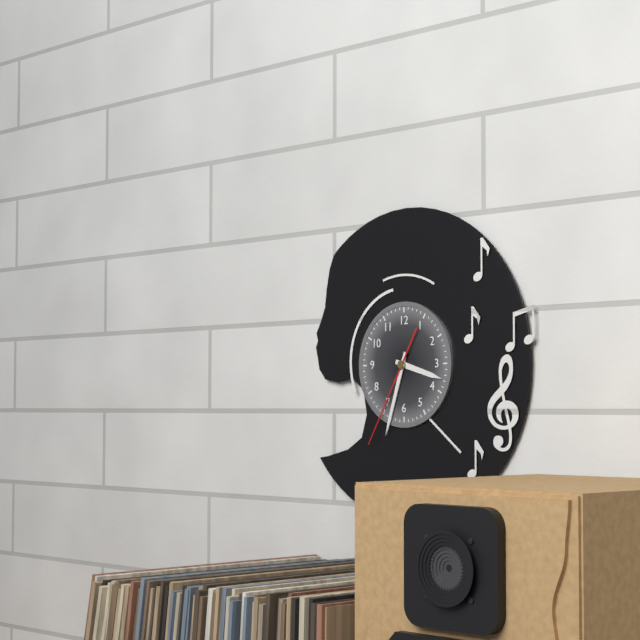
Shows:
3:33:35
